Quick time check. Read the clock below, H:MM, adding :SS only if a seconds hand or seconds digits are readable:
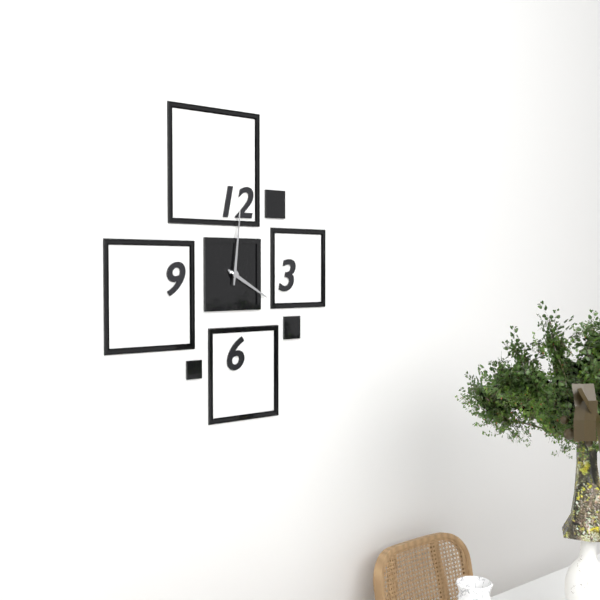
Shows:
4:01
